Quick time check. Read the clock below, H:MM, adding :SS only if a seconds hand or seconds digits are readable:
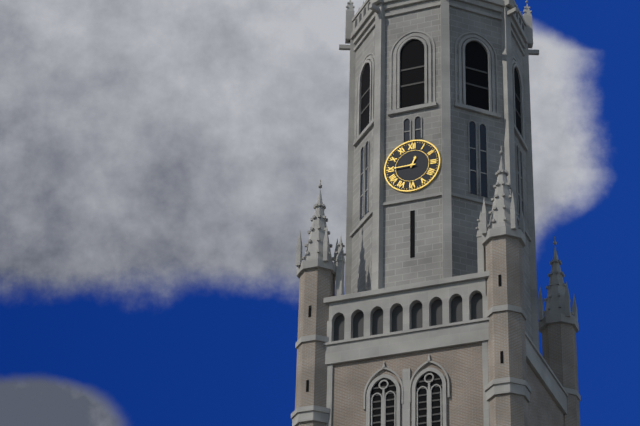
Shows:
12:45
